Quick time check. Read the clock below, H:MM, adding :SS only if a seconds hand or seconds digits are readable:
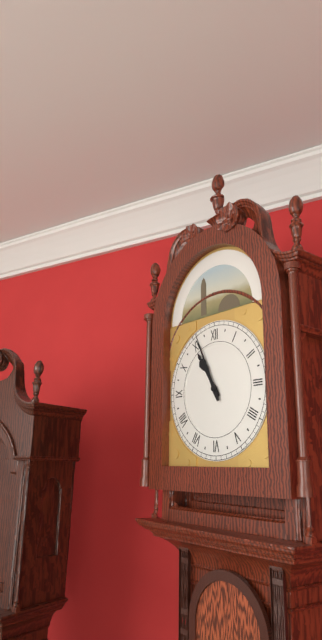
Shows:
10:56
